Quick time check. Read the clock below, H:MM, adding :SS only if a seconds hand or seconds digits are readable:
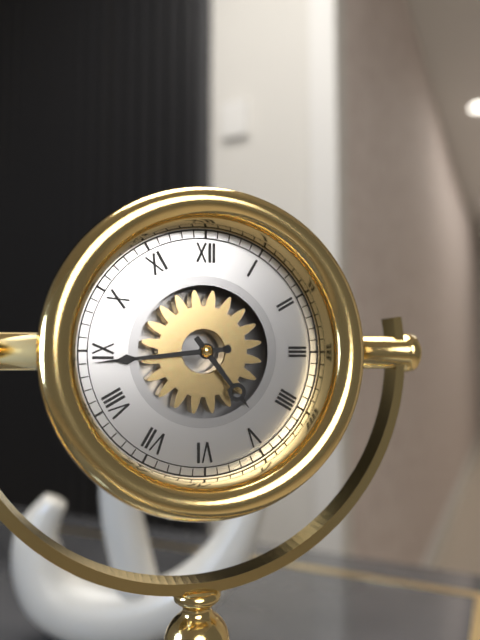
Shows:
4:44
